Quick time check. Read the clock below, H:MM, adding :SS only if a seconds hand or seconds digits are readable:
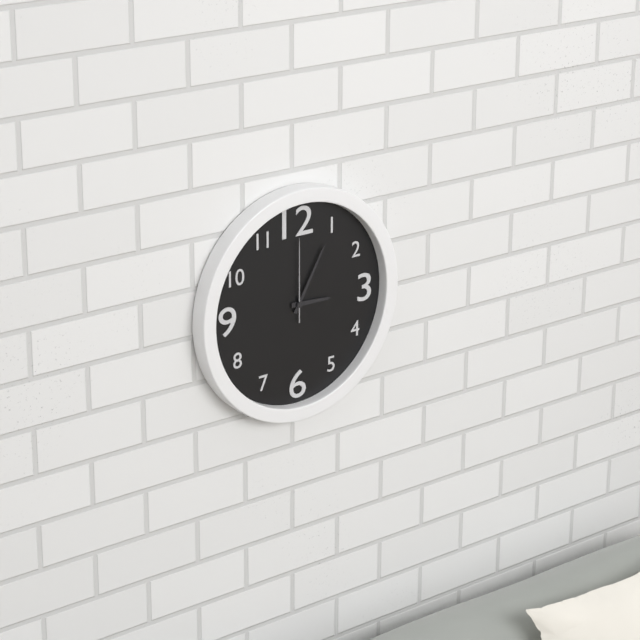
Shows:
3:05:00
